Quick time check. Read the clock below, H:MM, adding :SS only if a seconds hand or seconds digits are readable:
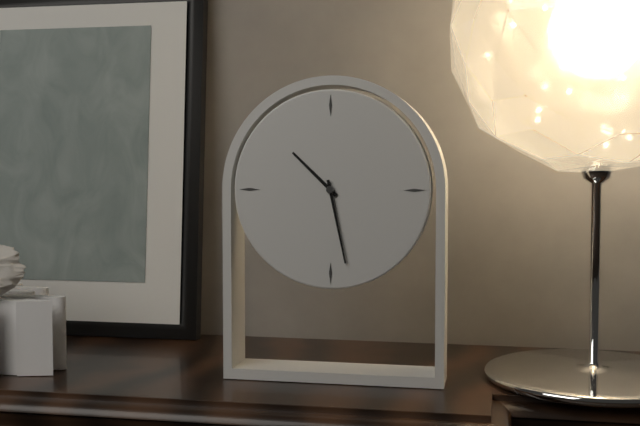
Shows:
10:28
